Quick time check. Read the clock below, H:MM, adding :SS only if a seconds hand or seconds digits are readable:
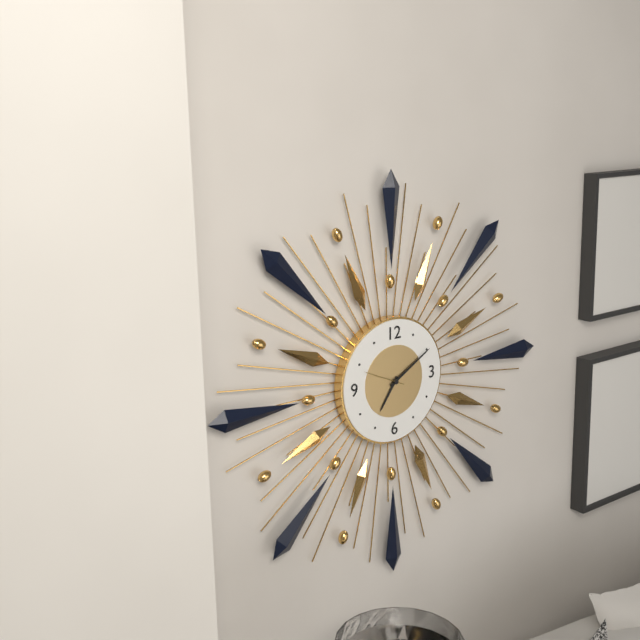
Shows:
7:10
